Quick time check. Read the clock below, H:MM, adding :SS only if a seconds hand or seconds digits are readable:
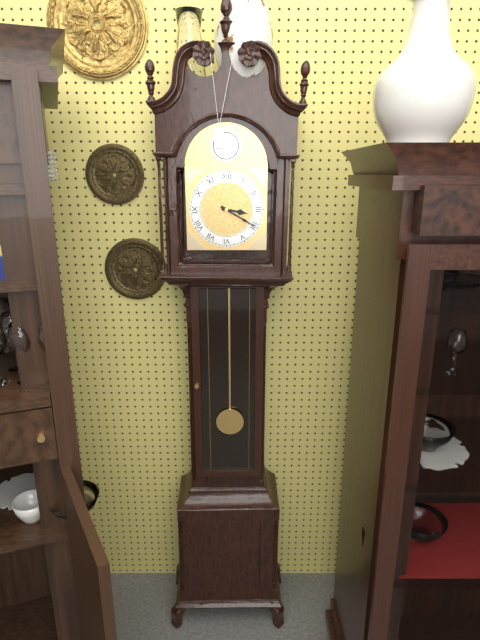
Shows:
3:20
